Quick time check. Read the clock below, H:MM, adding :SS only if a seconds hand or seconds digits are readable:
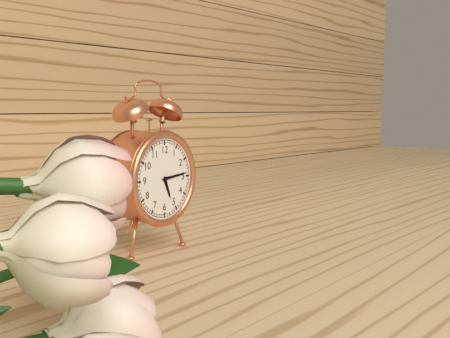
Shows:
5:14
